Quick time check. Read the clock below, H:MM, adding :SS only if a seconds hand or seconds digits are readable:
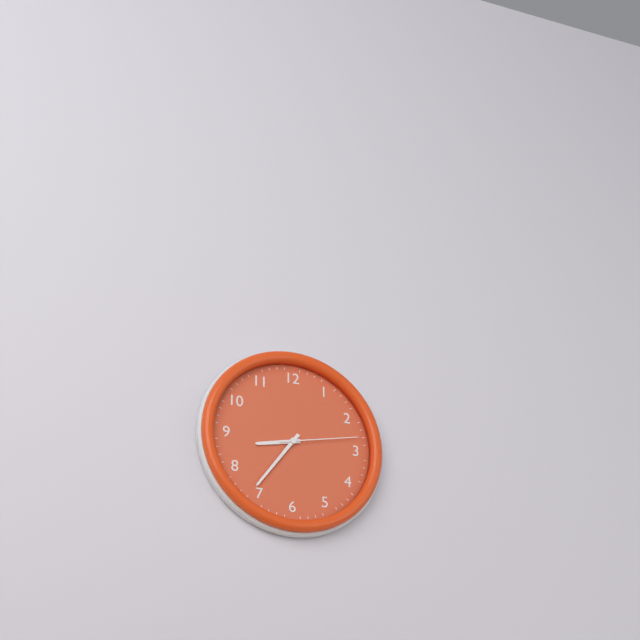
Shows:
8:36:13
